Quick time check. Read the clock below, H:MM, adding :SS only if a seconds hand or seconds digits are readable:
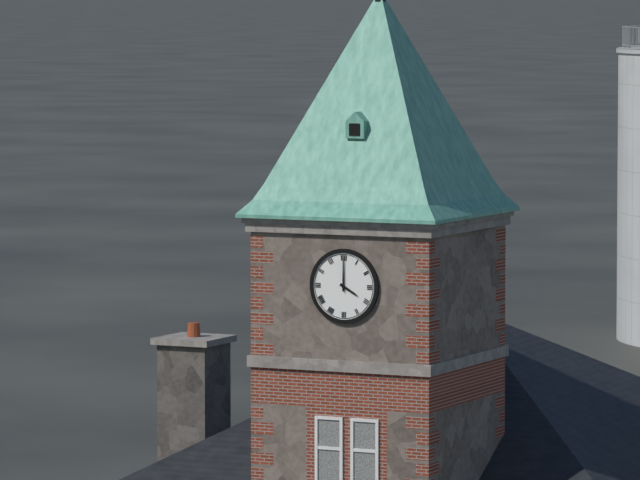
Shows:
4:00
